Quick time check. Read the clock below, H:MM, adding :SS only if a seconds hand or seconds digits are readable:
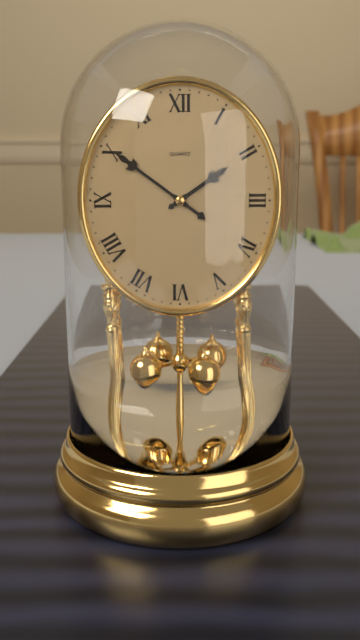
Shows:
1:51
